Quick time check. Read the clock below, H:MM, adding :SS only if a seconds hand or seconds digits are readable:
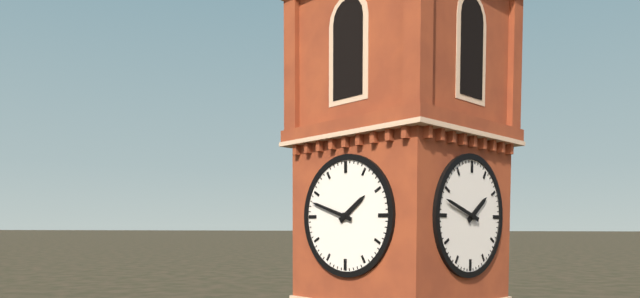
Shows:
1:48
